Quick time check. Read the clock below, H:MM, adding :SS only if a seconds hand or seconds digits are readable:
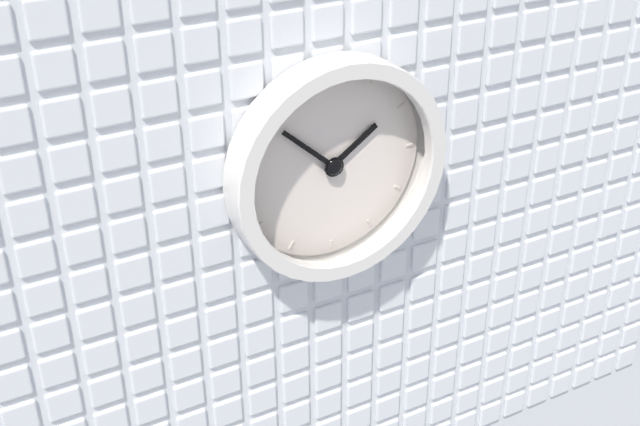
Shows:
1:52
